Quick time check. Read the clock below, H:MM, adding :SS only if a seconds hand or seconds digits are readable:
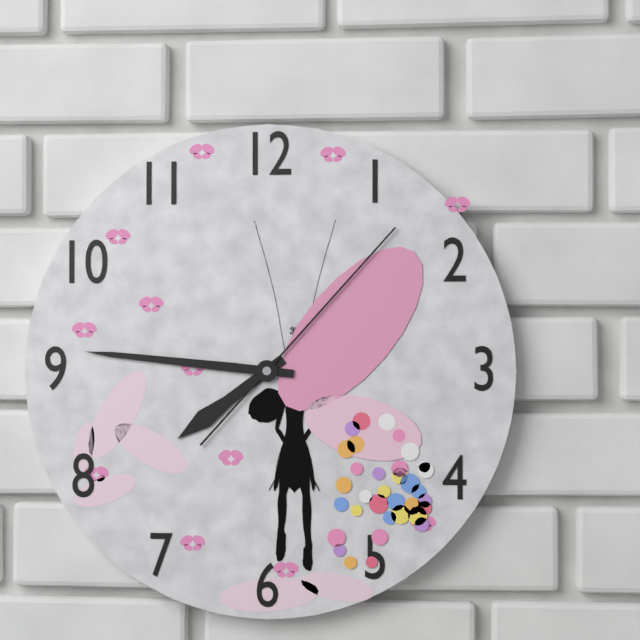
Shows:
7:46:07
